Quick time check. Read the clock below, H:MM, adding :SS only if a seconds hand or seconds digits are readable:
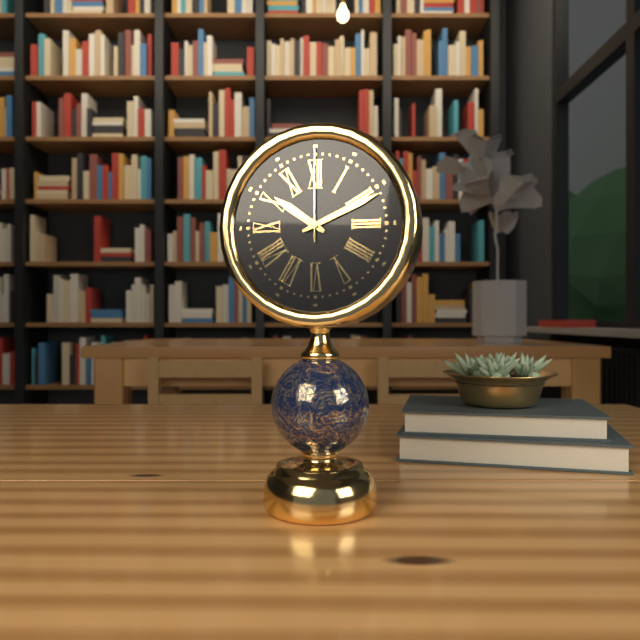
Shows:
10:11:00
